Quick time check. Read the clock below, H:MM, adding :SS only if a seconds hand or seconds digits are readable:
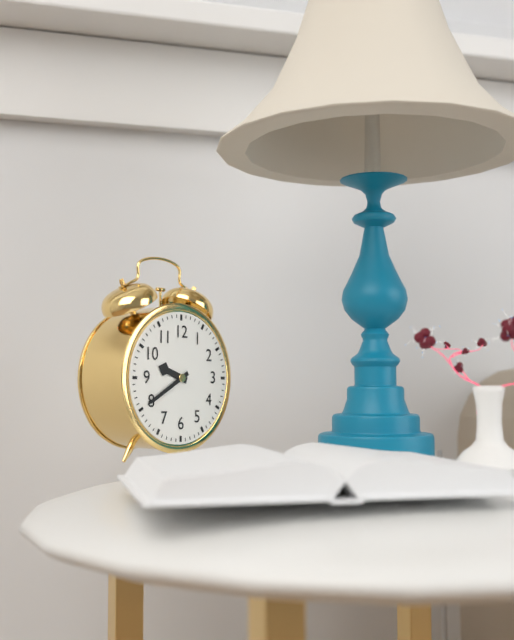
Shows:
9:40
